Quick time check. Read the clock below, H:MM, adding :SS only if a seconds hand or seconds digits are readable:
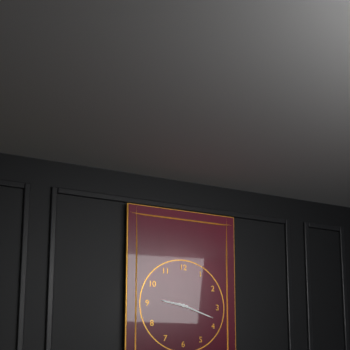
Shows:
9:18
